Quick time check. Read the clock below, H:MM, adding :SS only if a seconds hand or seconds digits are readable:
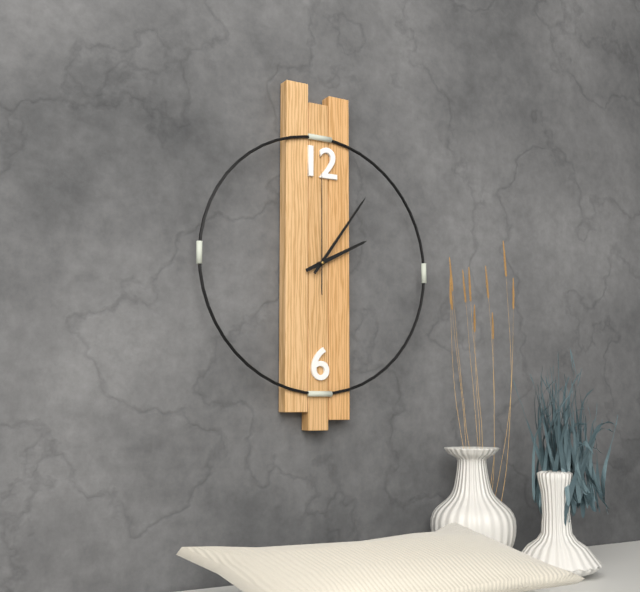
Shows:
2:06:00
